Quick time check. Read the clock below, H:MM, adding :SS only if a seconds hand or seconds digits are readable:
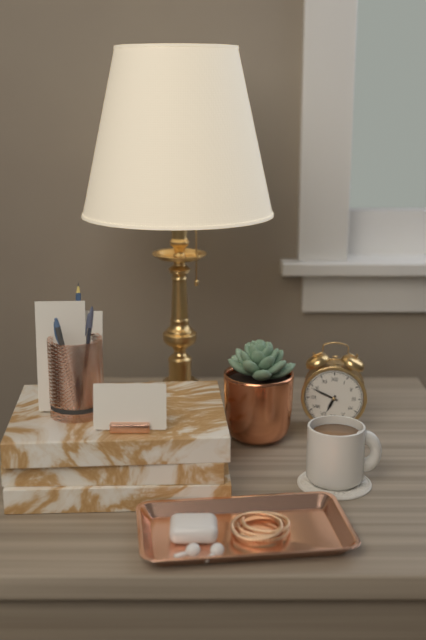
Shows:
6:49
